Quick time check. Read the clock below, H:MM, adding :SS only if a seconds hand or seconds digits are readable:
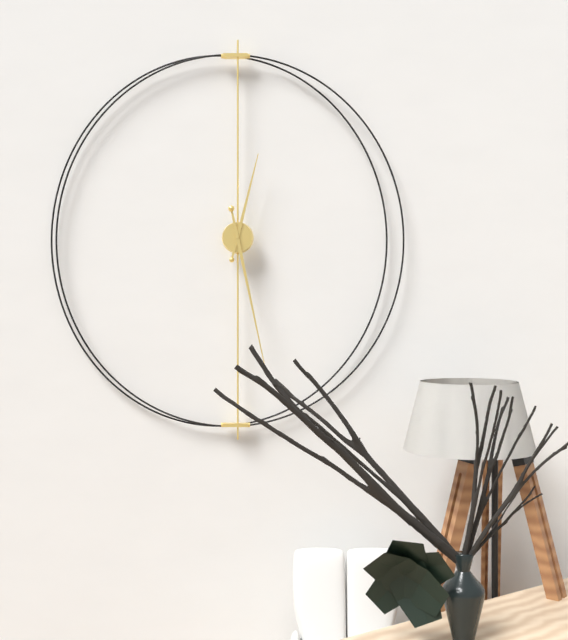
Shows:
12:28
